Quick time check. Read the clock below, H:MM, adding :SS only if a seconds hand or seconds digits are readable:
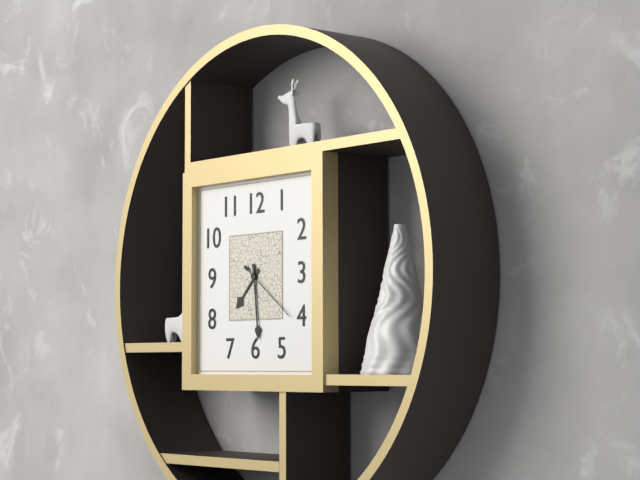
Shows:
7:29:21
